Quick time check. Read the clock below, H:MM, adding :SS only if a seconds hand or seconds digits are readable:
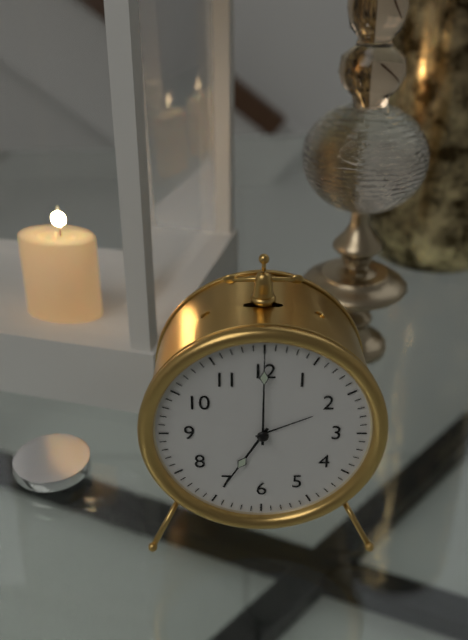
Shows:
7:00
